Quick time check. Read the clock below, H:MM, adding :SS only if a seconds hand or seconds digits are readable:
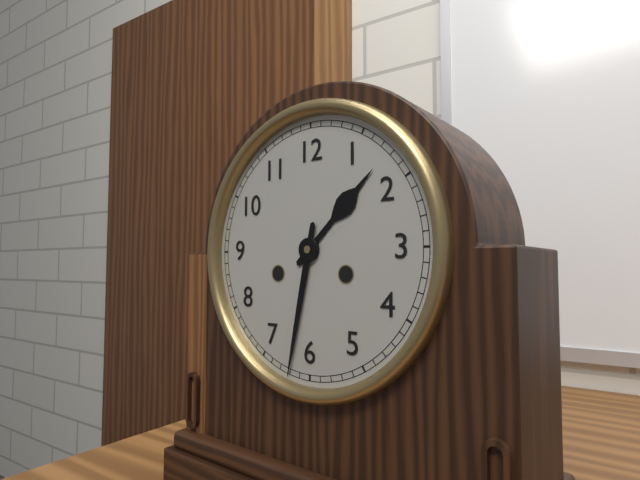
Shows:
1:32
